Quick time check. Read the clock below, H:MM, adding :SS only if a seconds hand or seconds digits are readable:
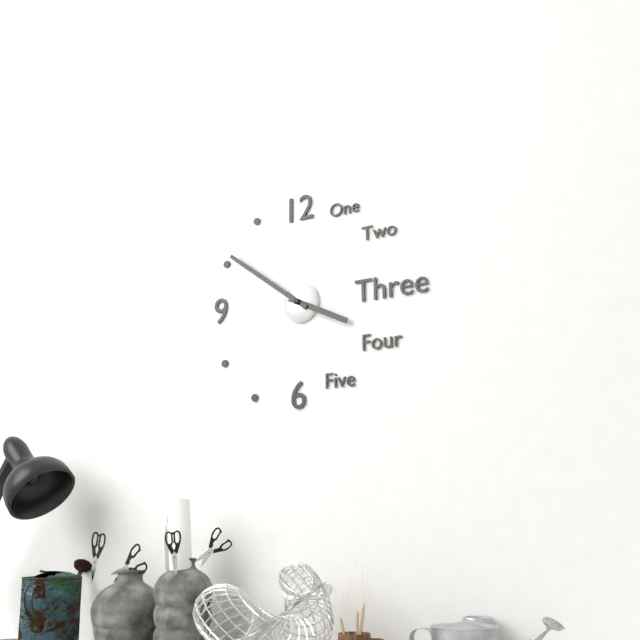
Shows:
3:51
